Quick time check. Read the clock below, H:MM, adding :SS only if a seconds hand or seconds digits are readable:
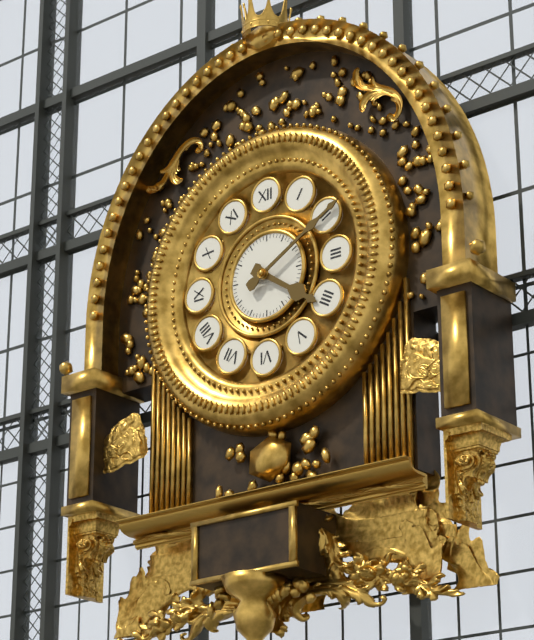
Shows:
4:10
